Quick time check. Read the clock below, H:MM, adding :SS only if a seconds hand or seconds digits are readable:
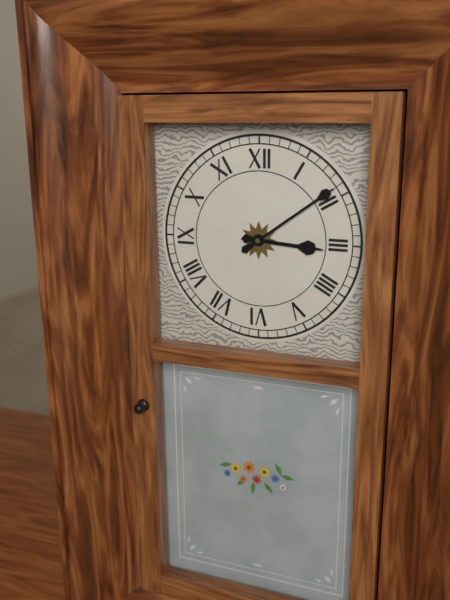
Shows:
3:09
